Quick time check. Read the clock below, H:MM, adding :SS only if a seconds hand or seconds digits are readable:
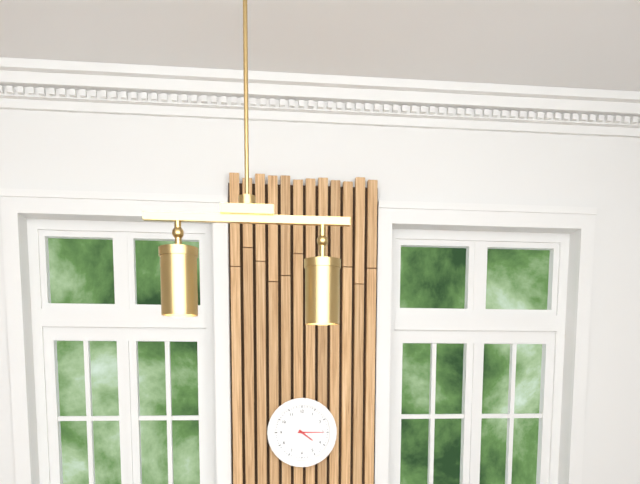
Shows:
4:15
